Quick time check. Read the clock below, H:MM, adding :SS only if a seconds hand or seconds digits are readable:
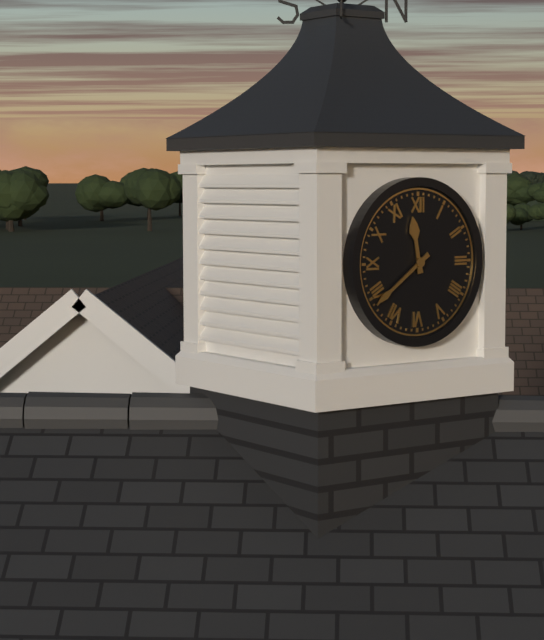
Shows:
11:39
